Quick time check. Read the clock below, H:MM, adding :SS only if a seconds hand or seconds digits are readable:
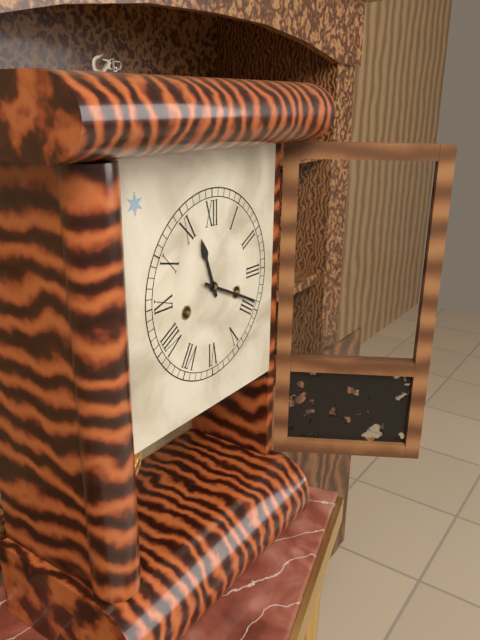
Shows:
11:19
